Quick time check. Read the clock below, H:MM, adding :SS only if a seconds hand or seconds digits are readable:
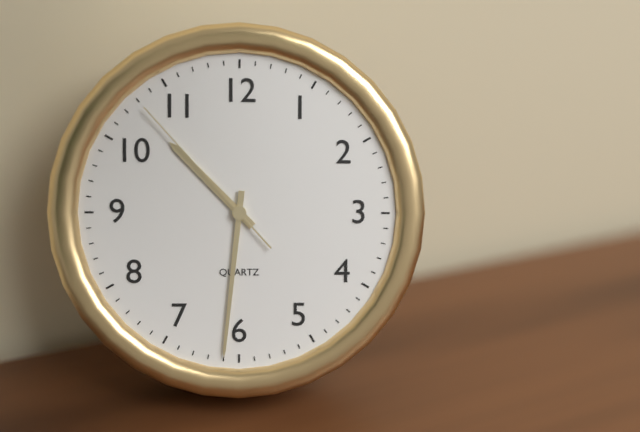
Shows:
10:31:53
